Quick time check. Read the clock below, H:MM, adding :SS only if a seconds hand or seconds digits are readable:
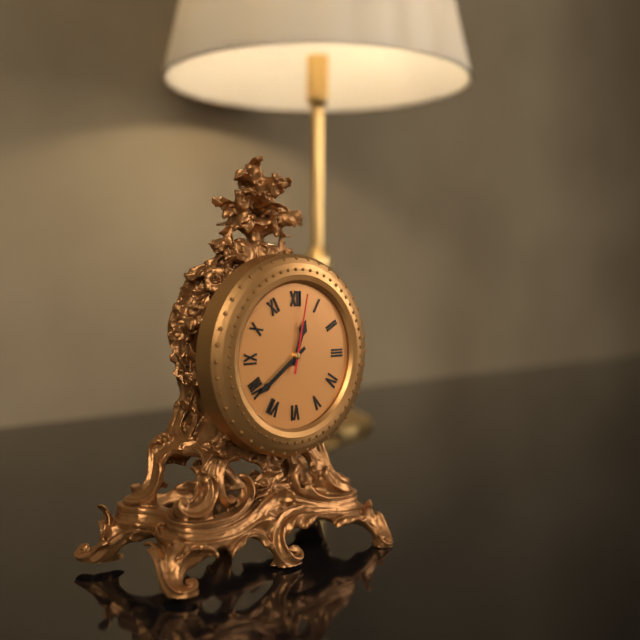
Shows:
12:39:02
